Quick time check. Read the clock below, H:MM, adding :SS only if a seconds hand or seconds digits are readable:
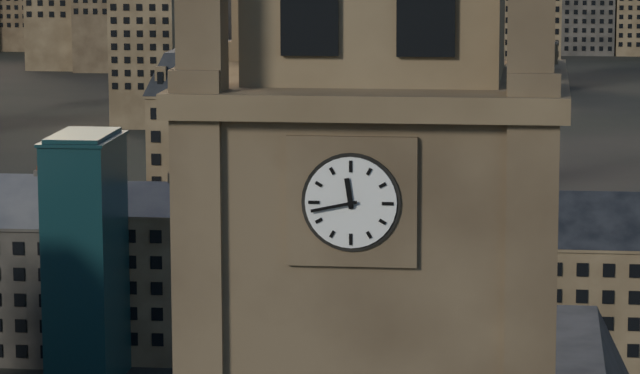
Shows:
11:43
